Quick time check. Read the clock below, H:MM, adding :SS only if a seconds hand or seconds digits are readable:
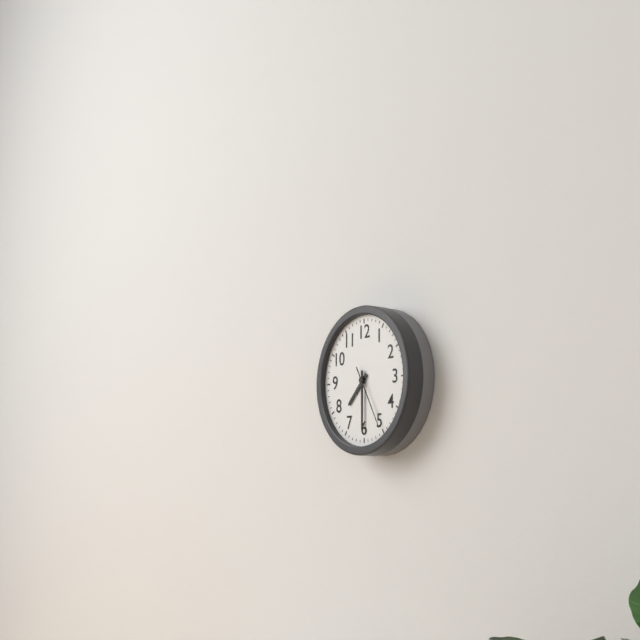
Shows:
7:30:25
